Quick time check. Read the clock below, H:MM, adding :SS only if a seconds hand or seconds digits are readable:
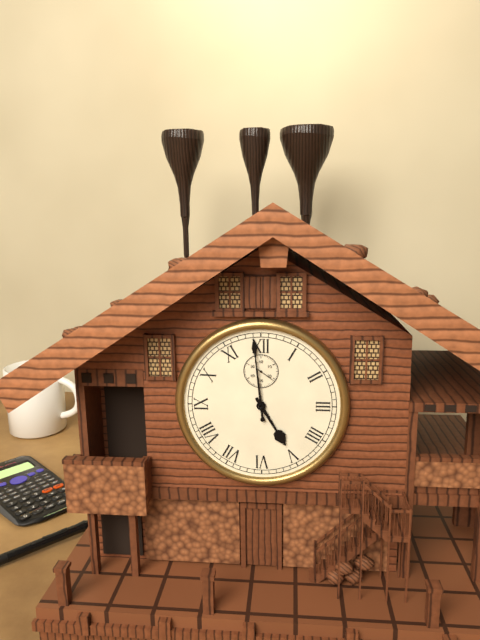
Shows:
4:59
